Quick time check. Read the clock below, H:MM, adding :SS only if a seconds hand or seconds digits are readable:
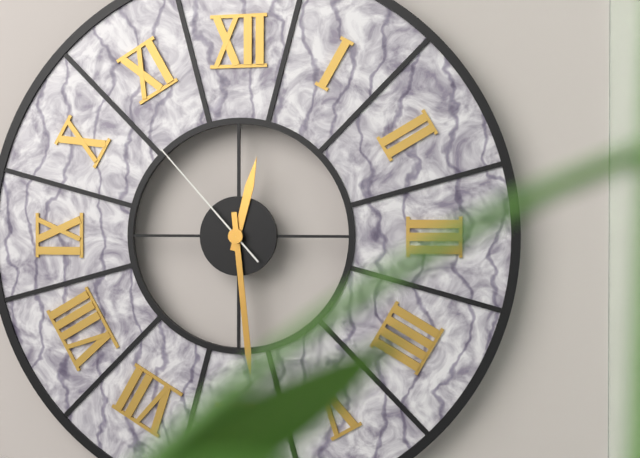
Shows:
12:29:53
